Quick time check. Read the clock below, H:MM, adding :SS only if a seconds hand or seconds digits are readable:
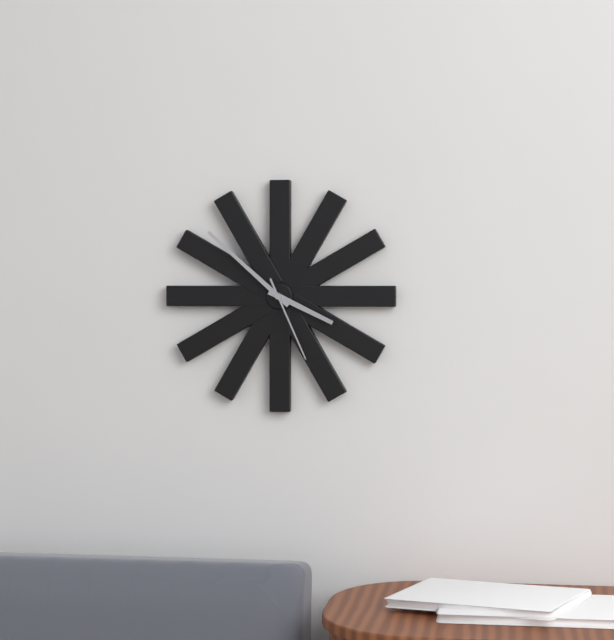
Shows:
3:52:26
